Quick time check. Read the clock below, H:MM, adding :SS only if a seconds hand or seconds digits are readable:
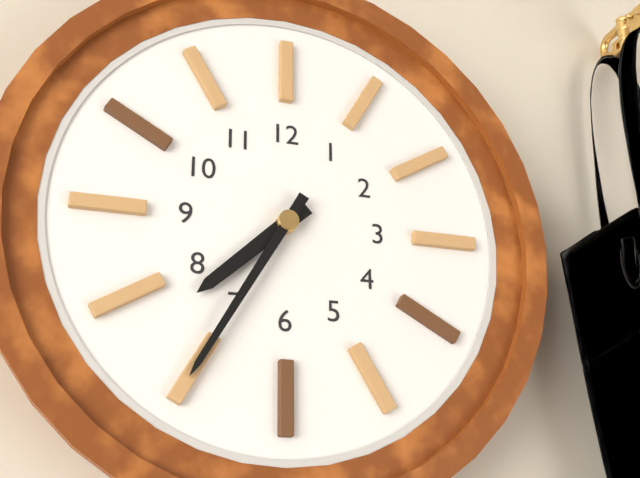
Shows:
7:35
